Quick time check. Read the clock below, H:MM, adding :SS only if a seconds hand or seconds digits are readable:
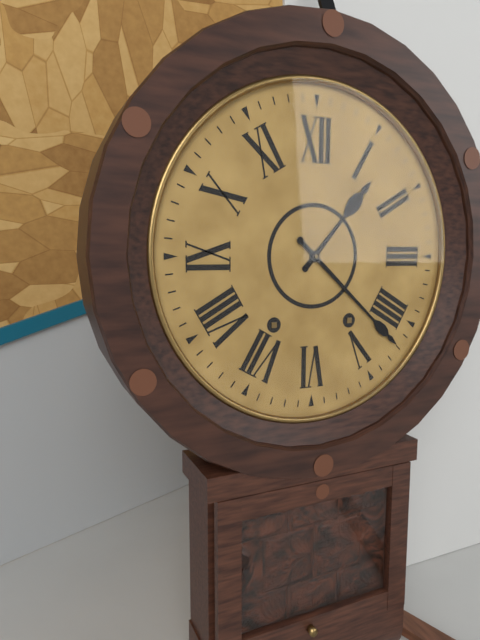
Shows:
1:22
